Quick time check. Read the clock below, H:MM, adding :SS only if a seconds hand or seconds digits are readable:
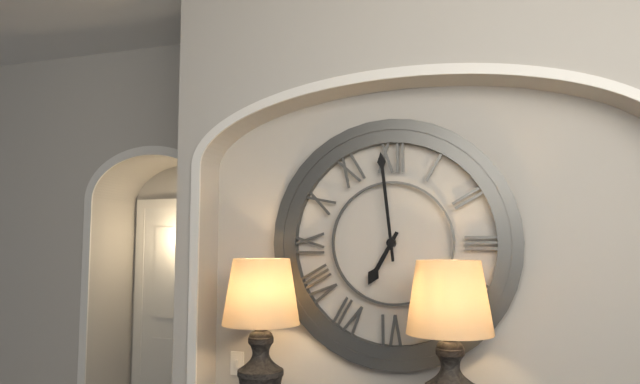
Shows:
6:59
